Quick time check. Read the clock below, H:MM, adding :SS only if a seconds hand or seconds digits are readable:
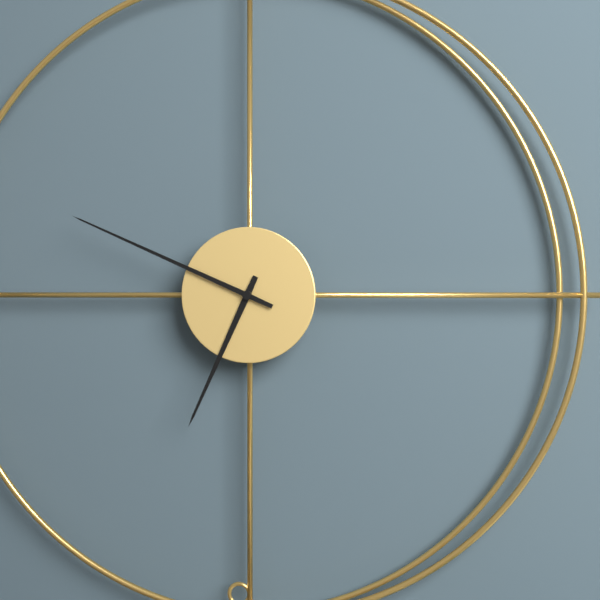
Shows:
6:49
